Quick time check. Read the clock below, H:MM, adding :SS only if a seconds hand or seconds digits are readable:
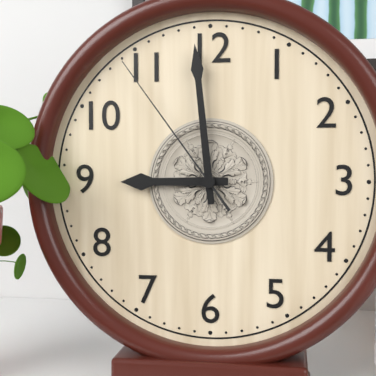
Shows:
8:59:54
